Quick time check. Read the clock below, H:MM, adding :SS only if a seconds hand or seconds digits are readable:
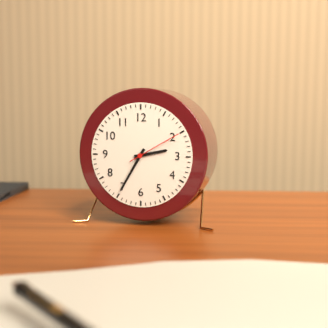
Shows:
2:35:10
